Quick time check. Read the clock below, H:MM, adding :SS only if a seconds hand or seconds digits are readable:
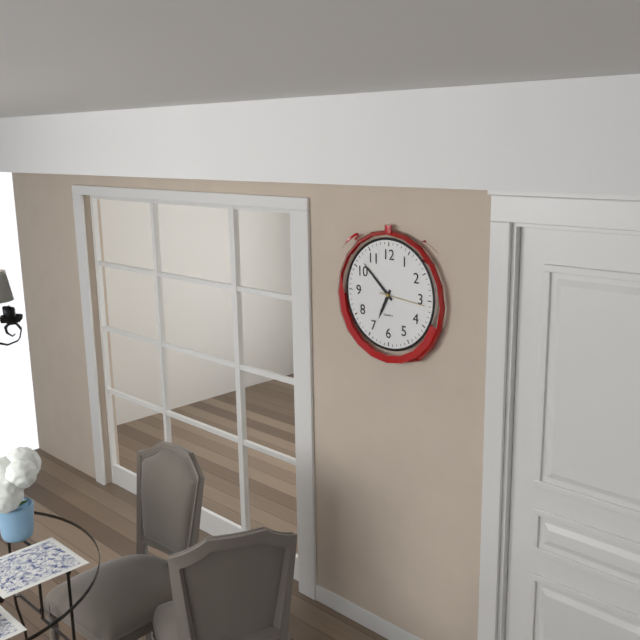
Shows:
6:52
